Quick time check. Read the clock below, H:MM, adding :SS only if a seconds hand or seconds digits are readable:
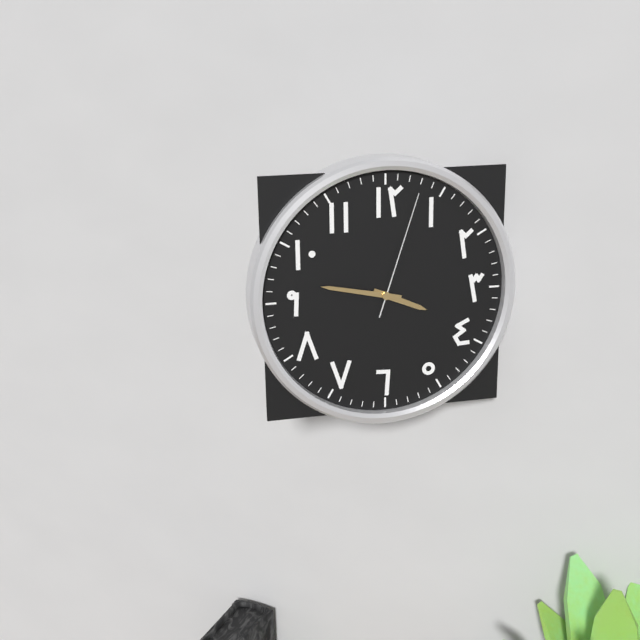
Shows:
3:47:03
